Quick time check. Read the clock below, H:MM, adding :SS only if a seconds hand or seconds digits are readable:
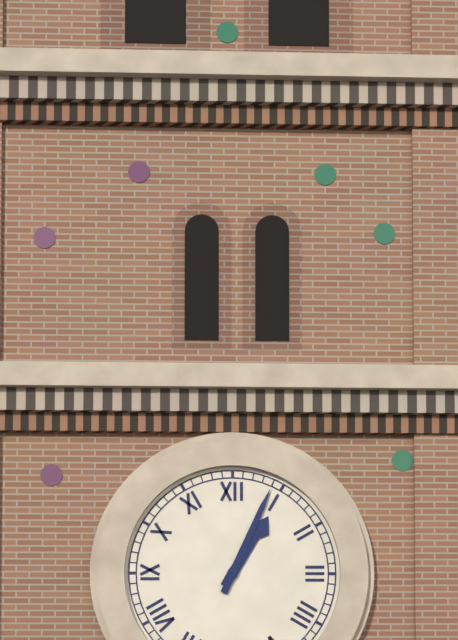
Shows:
1:04
